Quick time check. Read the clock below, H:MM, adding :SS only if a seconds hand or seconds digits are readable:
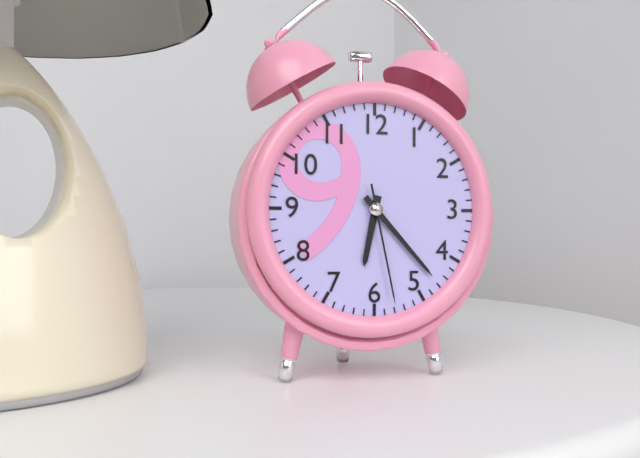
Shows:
6:23:28
